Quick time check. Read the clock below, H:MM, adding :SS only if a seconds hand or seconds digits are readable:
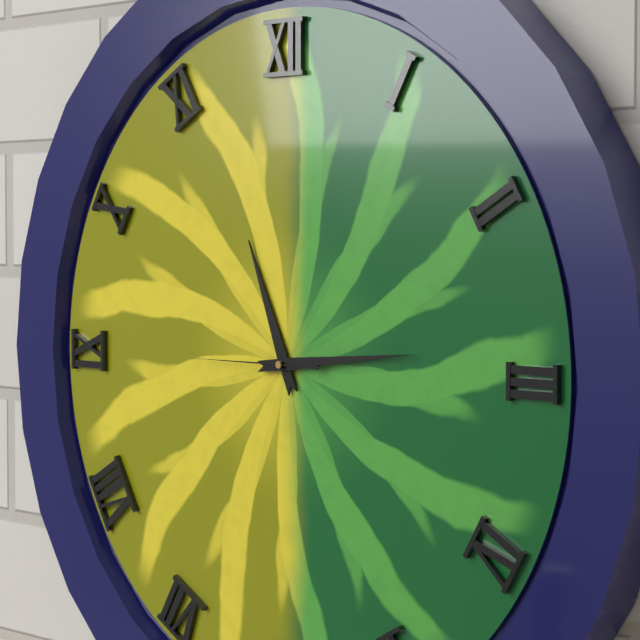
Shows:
11:14:45
